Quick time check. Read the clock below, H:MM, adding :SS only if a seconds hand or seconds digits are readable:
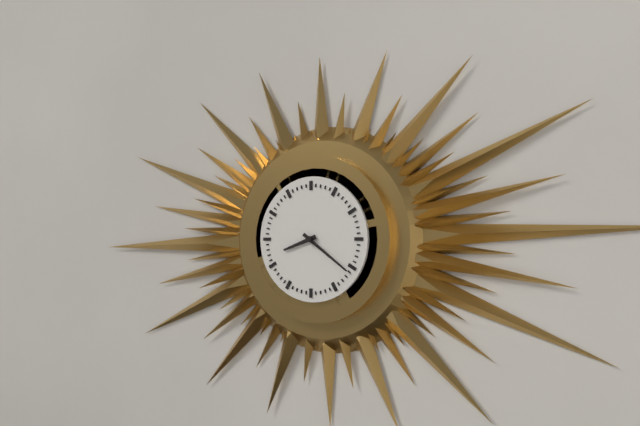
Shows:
8:21
